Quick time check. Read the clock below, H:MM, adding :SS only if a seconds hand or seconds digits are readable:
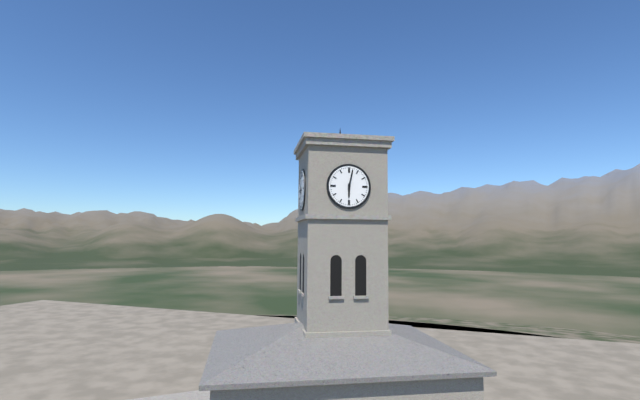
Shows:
6:02
